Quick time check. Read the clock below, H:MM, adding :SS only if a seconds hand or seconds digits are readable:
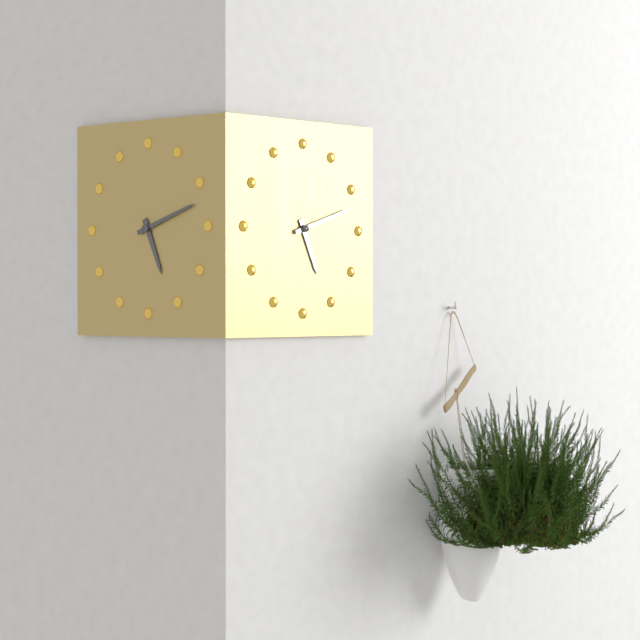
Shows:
5:12
